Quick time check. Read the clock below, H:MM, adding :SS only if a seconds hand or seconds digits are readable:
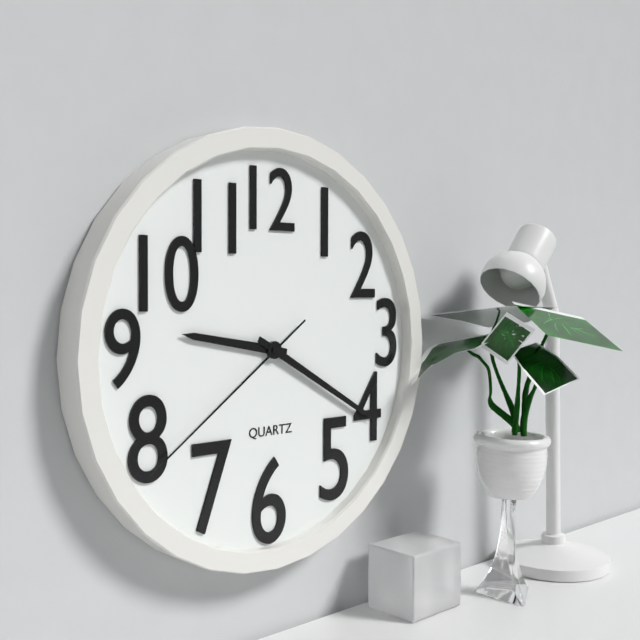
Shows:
9:20:39
